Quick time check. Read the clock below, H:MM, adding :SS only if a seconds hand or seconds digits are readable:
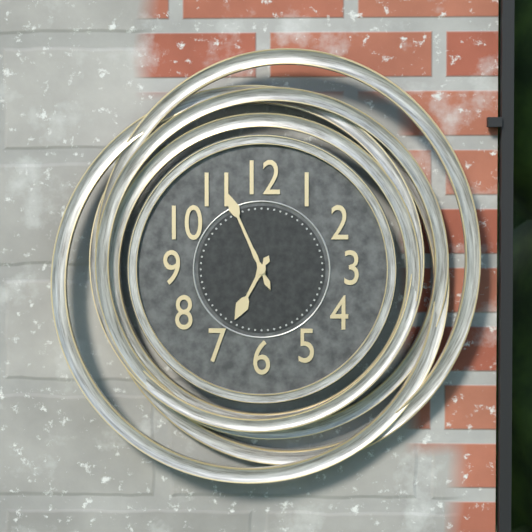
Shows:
6:56
